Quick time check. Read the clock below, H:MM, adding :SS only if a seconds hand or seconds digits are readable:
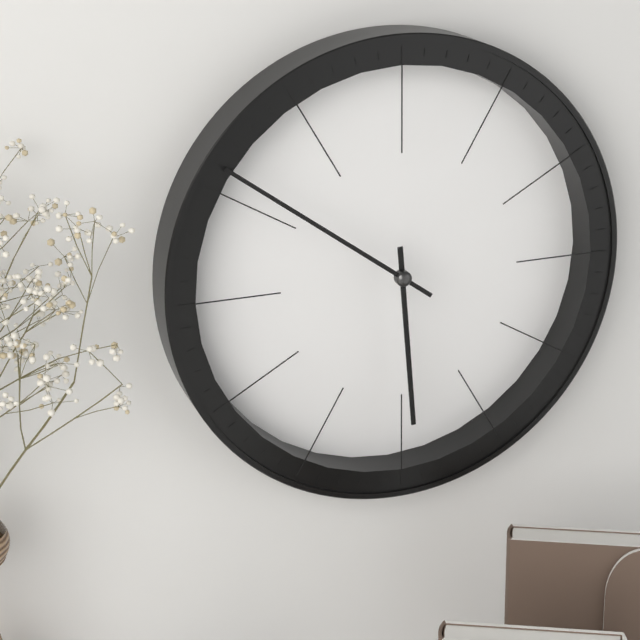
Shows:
5:51
